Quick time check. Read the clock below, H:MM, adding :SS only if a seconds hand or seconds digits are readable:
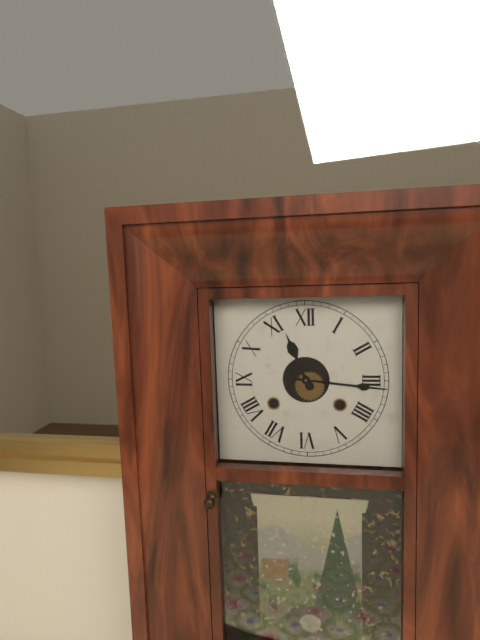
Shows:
11:16
